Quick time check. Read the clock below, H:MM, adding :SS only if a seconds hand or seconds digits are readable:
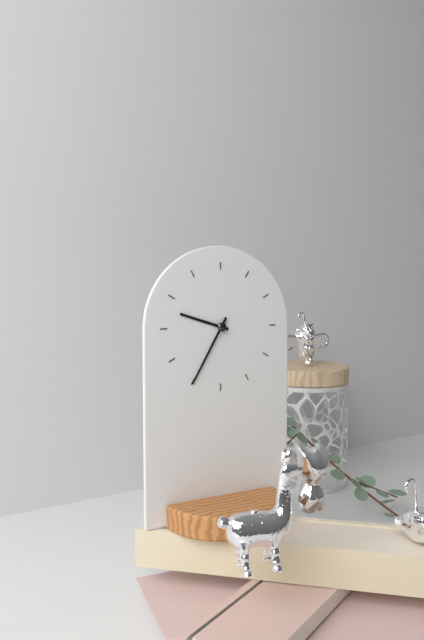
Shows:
9:35
